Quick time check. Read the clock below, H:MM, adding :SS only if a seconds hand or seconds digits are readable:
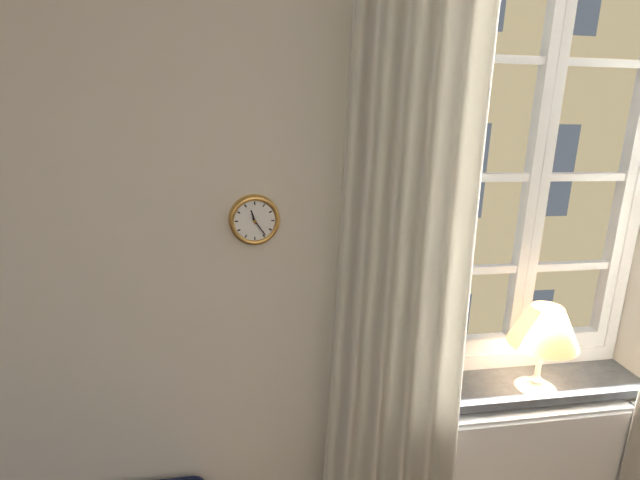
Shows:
11:24
